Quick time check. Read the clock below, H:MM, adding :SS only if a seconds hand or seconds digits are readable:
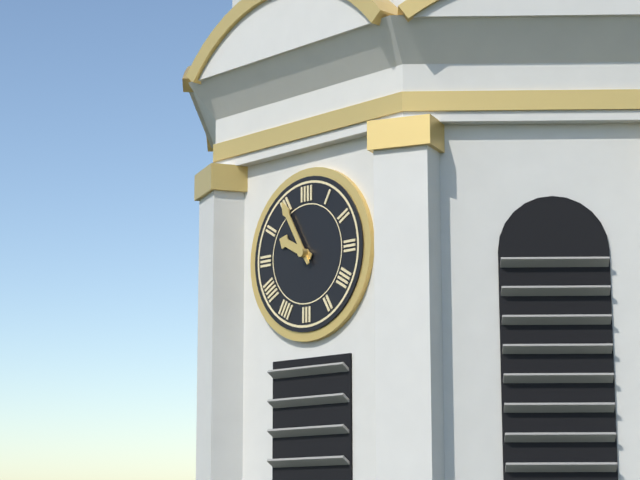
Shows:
9:55
